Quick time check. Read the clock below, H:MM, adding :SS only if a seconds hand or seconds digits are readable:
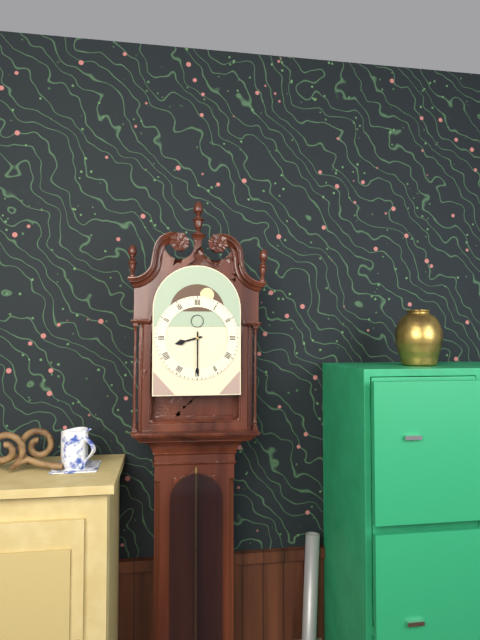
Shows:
8:30
